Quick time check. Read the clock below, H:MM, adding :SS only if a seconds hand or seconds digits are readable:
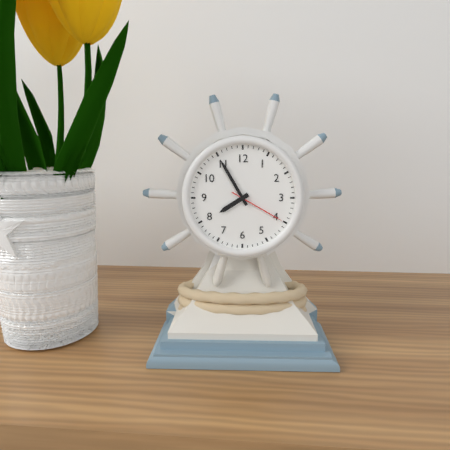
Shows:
7:55:20
